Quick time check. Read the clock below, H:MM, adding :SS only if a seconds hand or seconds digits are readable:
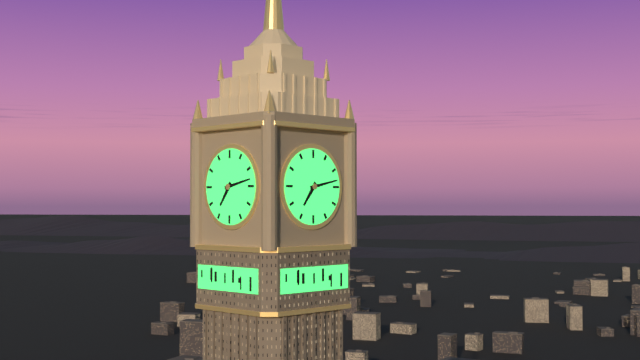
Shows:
7:13
